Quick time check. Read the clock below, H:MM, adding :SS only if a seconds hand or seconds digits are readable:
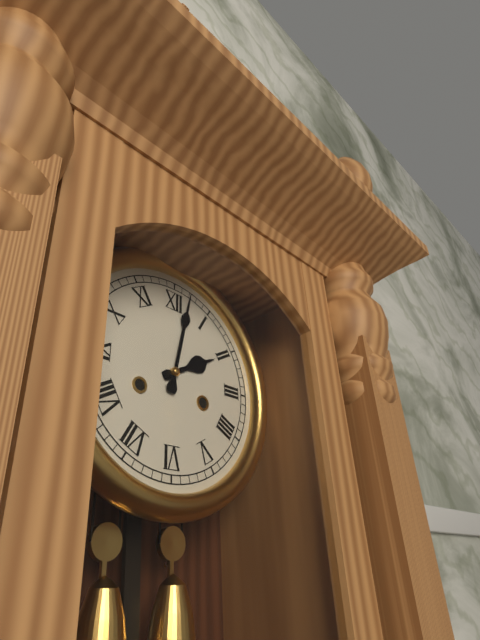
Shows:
2:02
